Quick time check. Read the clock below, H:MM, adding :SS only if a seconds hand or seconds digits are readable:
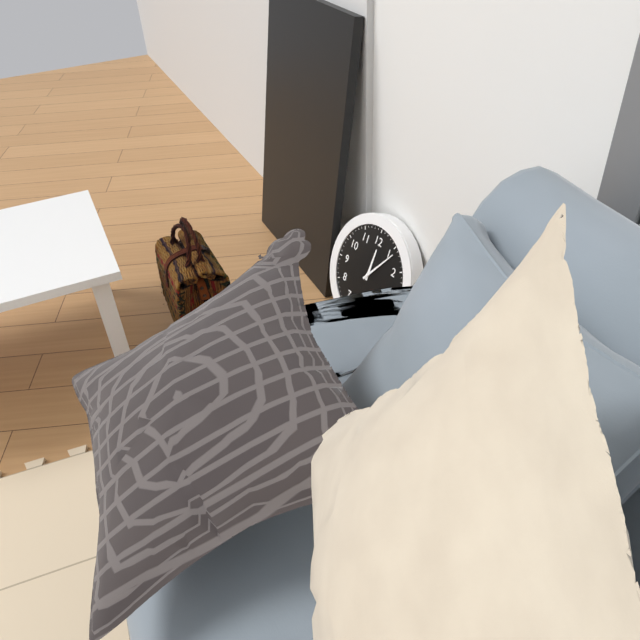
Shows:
12:06
